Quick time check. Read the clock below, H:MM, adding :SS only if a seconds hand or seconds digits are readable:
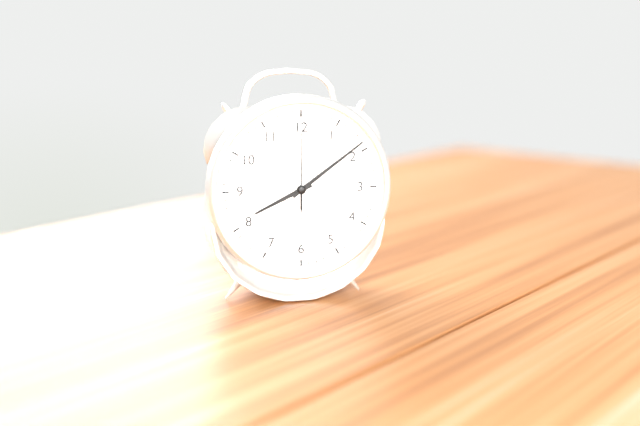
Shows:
8:09:00
